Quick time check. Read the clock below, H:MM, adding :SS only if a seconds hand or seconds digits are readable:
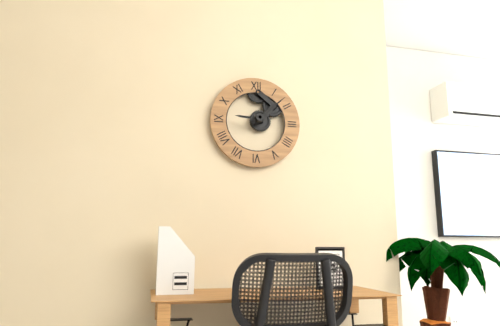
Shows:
9:08
